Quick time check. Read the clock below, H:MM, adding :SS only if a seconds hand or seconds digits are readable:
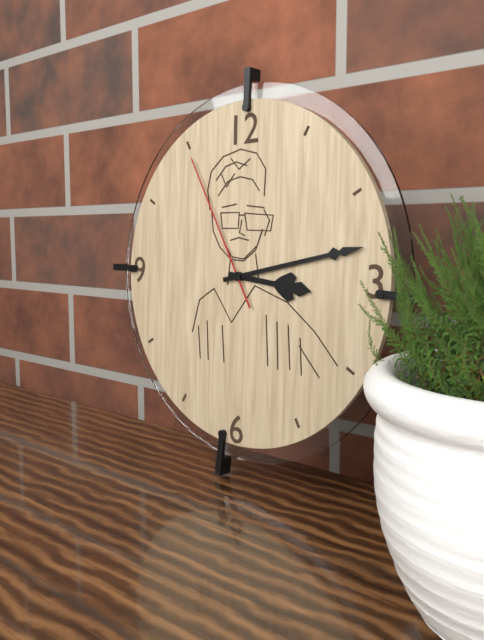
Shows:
3:13:55
